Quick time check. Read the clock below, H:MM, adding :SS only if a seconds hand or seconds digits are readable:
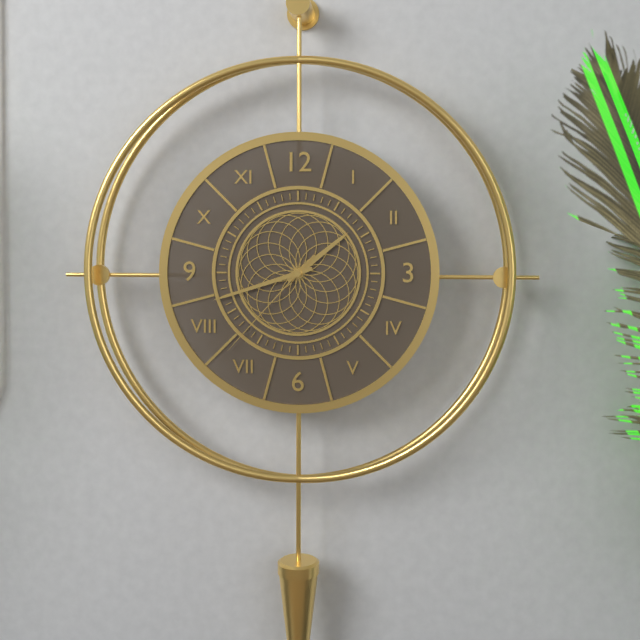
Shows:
1:42:37
